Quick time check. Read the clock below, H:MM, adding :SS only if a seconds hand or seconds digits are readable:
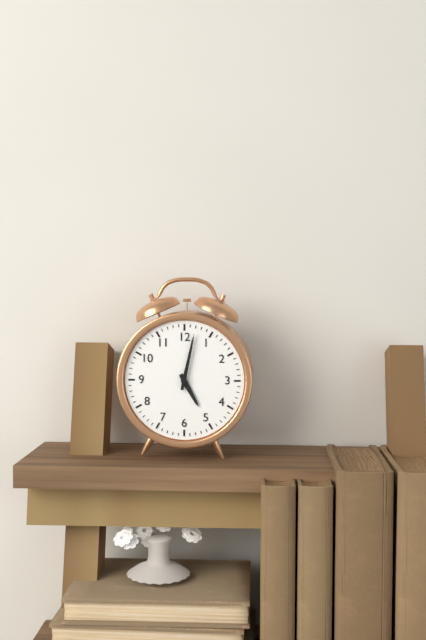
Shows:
5:02
